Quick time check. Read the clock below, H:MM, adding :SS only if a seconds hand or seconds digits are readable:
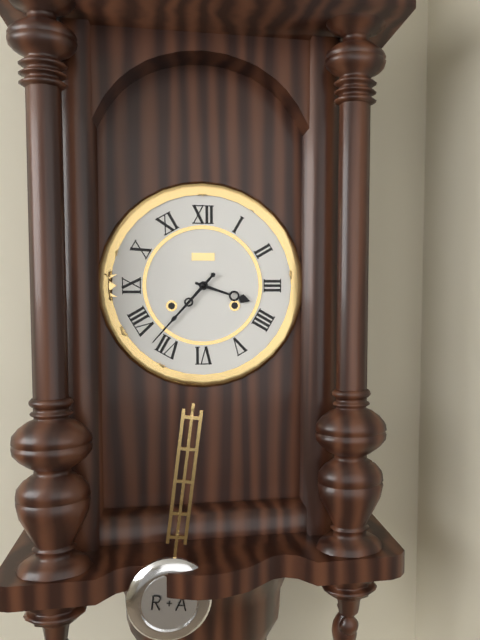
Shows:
3:37
